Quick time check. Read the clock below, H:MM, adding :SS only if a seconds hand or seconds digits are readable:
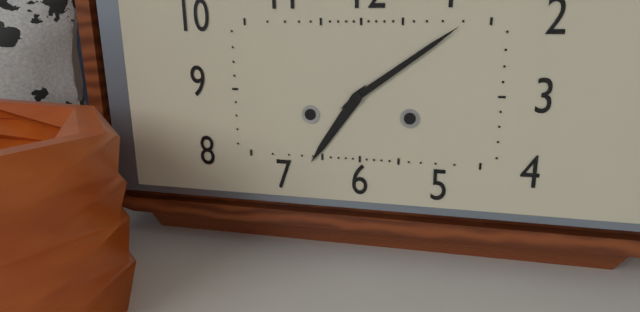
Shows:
7:09
